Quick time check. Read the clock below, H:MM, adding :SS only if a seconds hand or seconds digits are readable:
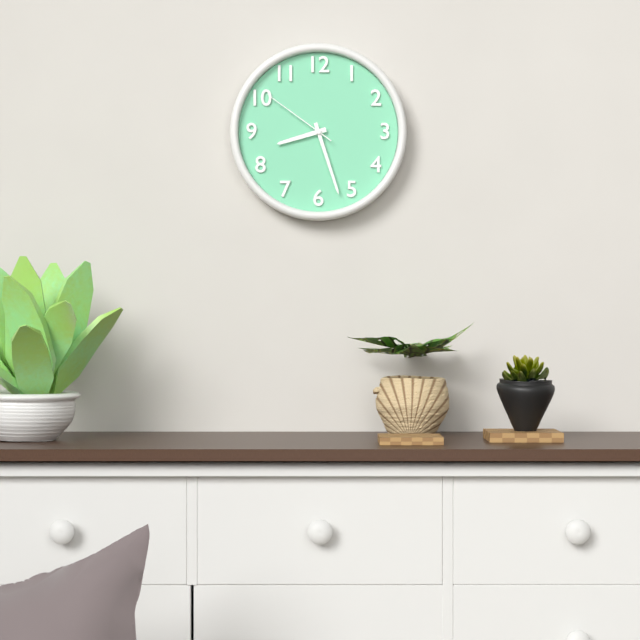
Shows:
8:27:51
